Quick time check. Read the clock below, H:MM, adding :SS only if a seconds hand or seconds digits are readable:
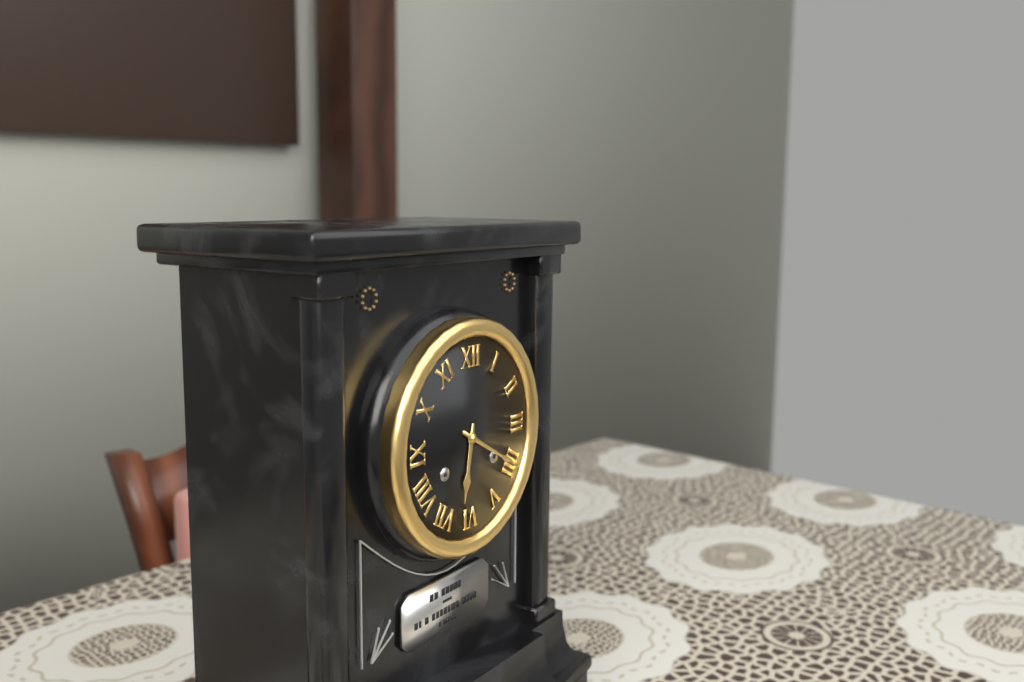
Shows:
6:20
